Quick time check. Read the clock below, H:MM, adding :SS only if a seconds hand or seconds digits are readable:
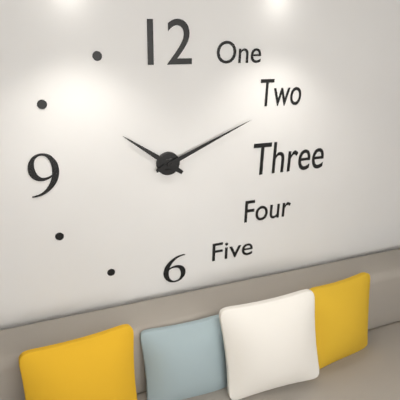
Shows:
10:11
